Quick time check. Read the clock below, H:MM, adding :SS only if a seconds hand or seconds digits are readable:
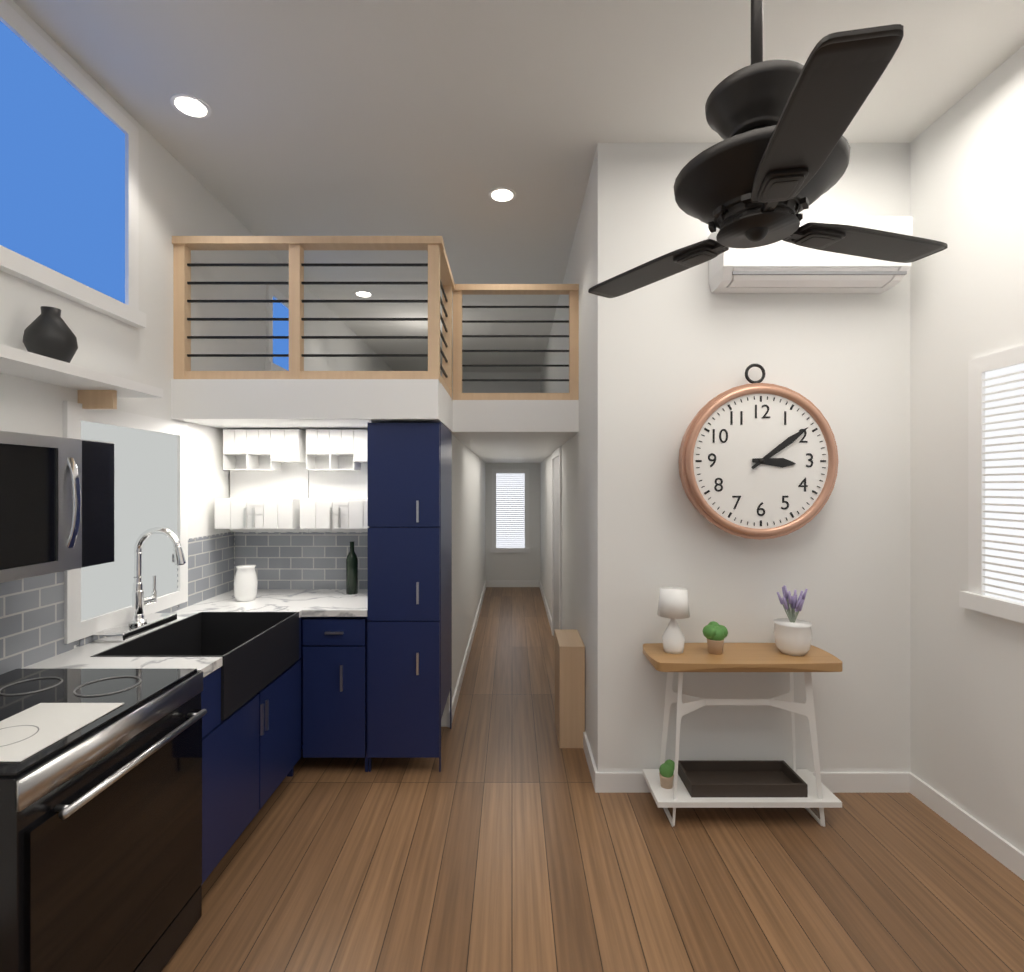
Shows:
3:09
